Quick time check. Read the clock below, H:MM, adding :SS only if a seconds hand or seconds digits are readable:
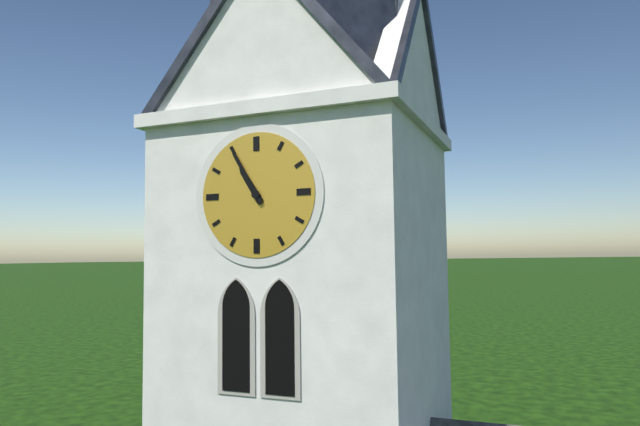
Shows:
10:55
